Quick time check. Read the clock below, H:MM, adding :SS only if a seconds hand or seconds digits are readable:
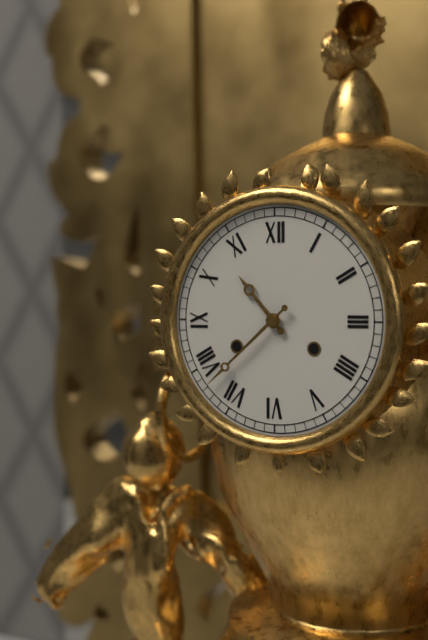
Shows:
10:38
